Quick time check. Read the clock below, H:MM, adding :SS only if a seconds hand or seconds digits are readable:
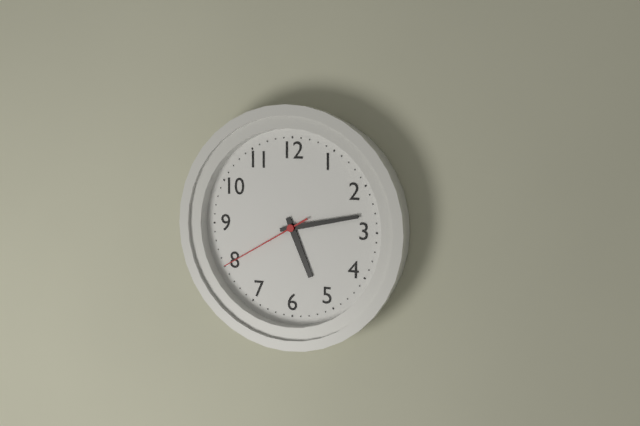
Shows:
5:13:40
